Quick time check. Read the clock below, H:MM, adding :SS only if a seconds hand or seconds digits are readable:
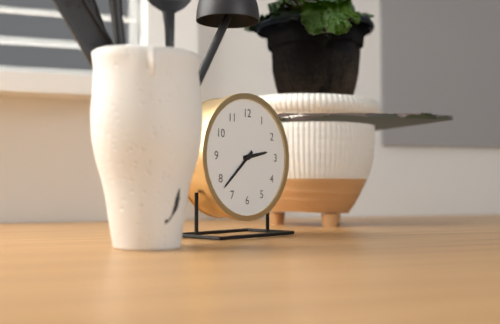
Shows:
2:38
